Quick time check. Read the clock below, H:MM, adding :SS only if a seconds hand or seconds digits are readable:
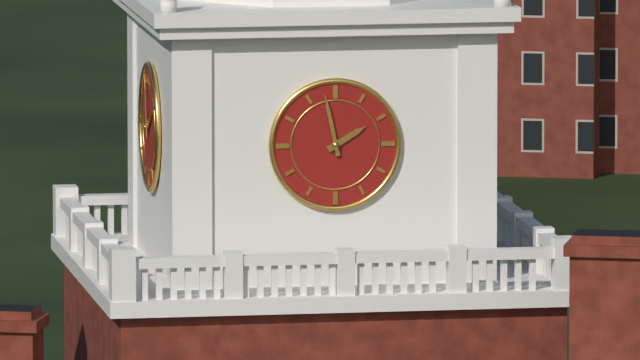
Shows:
1:58
